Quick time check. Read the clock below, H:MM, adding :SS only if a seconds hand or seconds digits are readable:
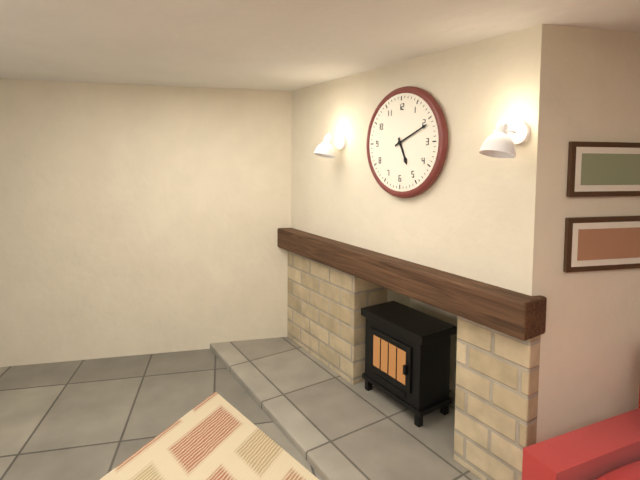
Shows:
5:11
